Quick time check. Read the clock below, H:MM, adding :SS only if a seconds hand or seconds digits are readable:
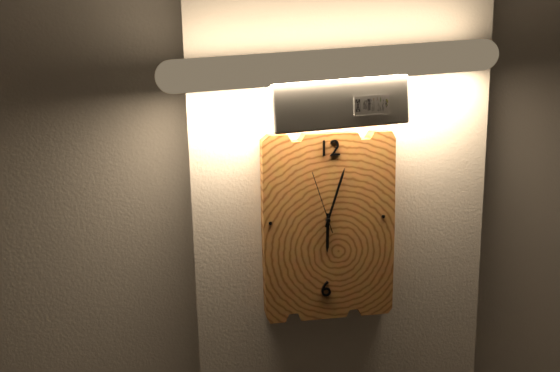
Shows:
6:03:57
